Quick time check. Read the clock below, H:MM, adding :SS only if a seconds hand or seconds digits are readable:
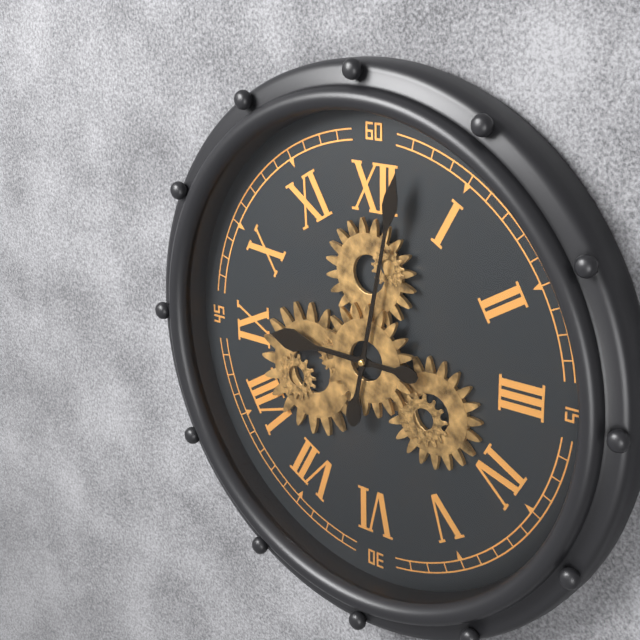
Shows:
9:02
